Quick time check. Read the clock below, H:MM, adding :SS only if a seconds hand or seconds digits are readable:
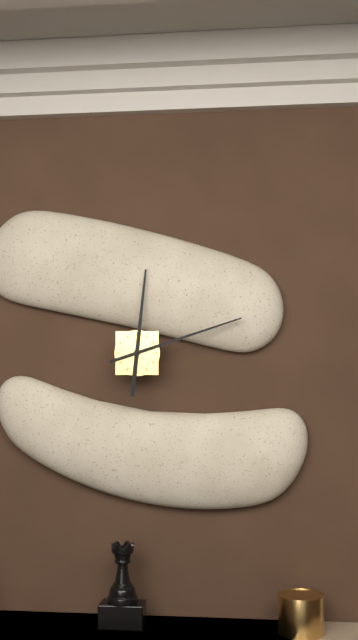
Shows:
12:12
